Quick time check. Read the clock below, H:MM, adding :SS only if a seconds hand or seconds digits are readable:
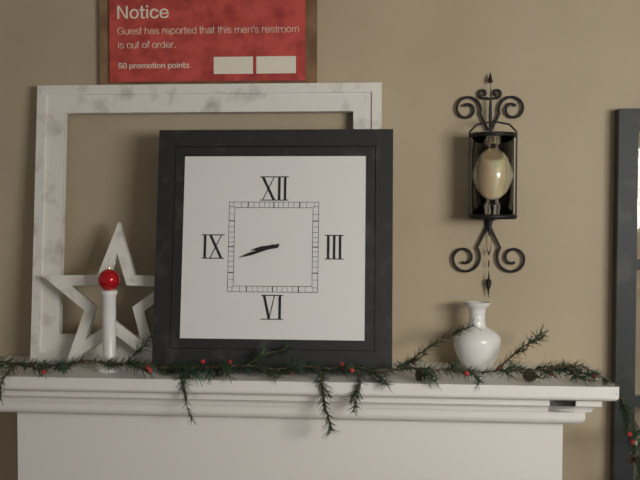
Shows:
8:42
